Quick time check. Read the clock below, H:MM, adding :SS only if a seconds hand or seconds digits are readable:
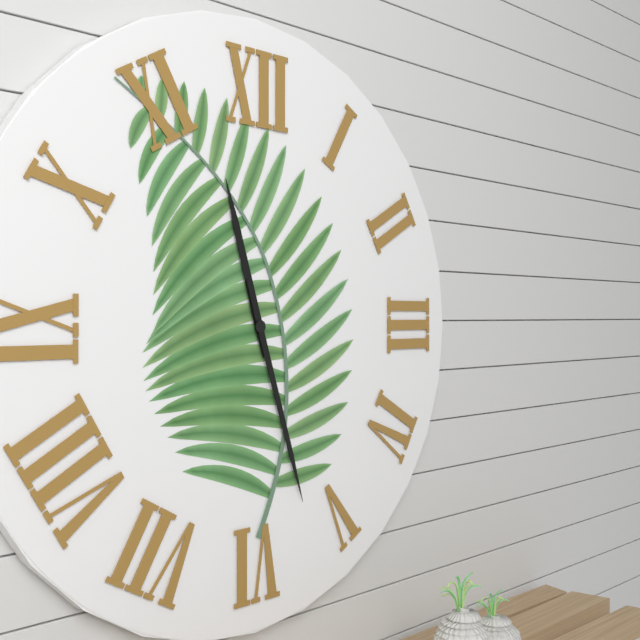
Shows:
11:27
